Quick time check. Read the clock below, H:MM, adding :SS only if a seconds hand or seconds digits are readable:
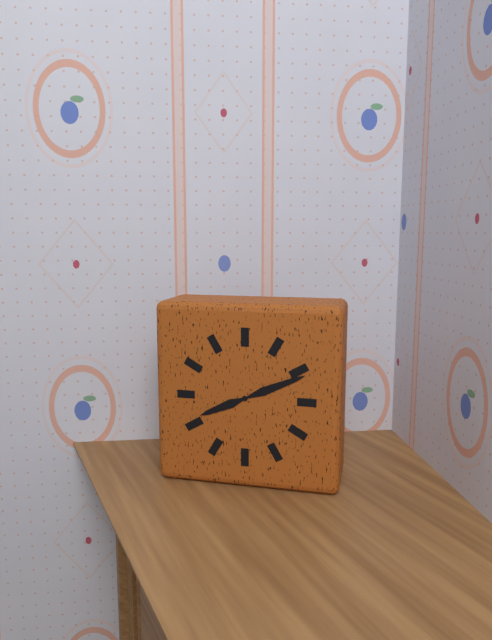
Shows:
8:11
